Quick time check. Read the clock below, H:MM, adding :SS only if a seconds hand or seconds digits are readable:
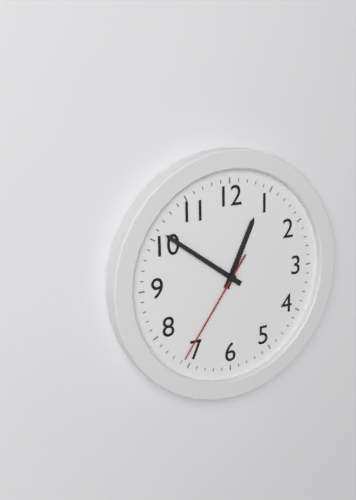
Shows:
12:51:36
